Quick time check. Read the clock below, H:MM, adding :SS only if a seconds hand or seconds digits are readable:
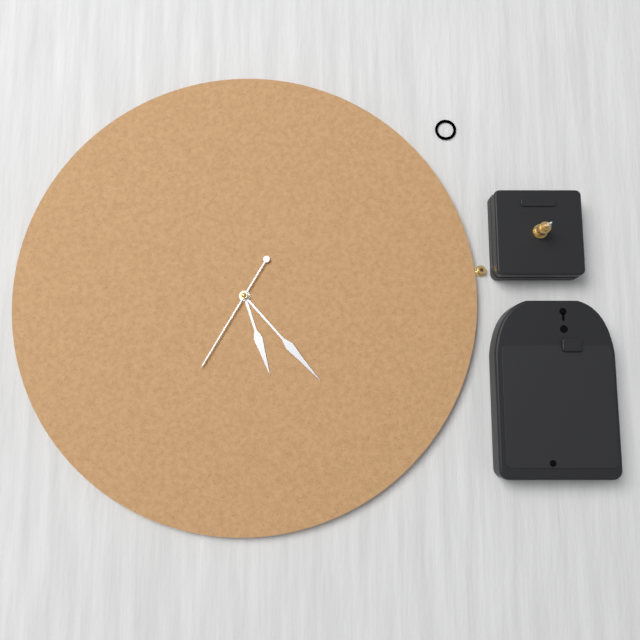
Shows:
5:23:35
